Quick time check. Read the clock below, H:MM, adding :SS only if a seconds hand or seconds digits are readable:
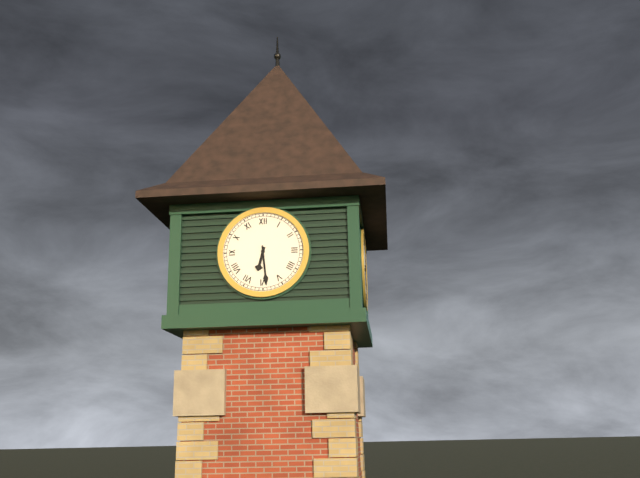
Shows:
6:29
